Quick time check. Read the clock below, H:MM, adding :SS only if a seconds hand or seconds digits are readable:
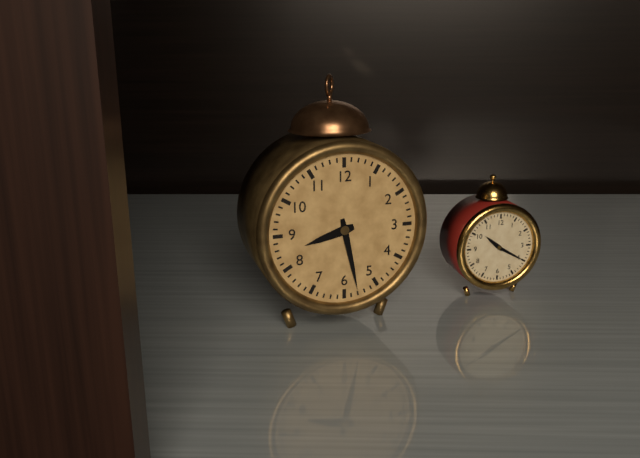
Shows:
8:28
